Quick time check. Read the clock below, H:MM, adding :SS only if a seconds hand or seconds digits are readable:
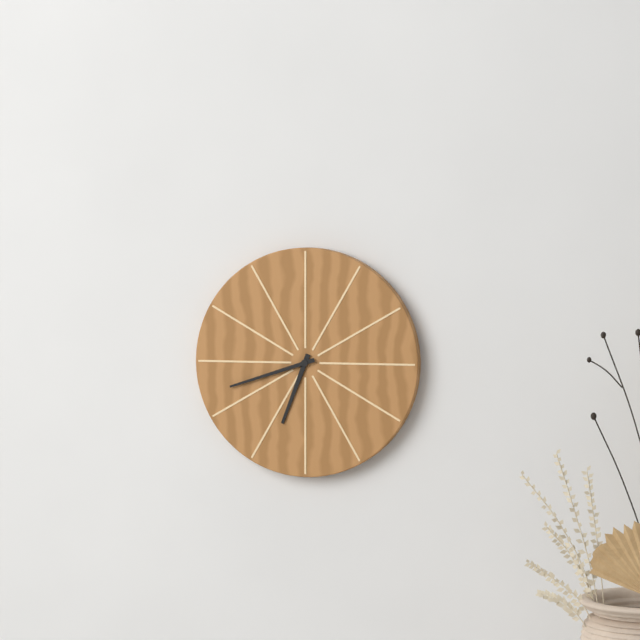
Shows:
6:42
